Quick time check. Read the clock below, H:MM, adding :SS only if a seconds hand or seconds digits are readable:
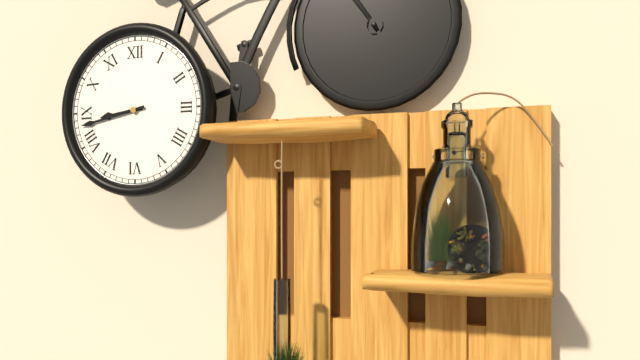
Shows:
8:43
